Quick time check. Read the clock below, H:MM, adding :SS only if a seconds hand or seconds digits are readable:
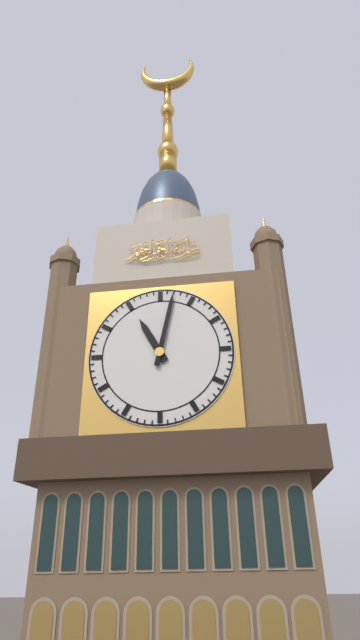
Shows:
11:02
